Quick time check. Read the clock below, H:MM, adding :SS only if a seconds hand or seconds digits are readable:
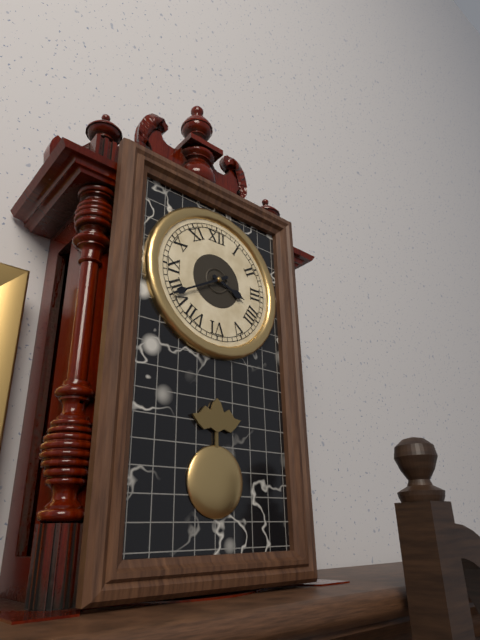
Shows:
3:40
